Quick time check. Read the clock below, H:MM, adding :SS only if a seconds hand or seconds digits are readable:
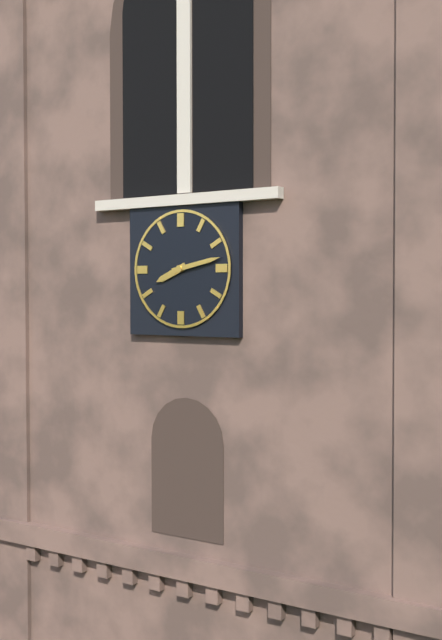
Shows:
8:13
